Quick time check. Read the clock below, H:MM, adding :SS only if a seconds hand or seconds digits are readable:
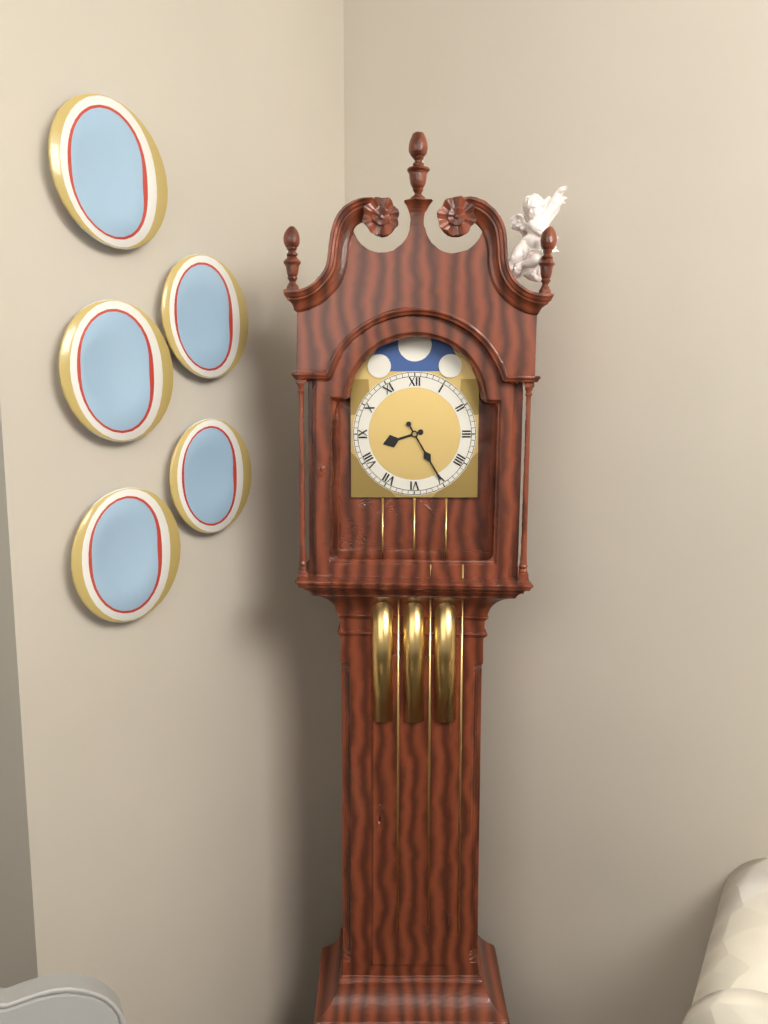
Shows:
8:25
